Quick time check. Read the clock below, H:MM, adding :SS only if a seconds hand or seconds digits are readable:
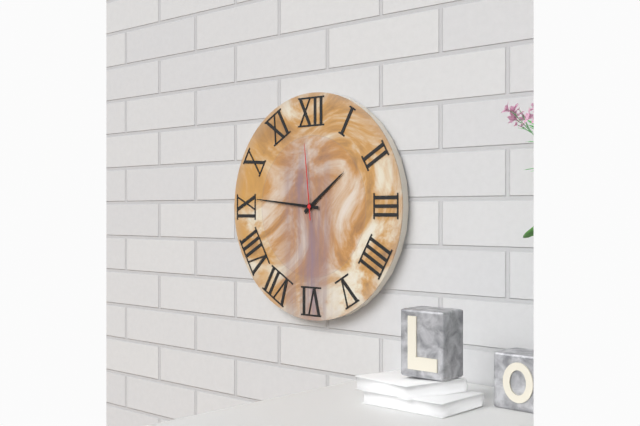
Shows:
1:46:59
